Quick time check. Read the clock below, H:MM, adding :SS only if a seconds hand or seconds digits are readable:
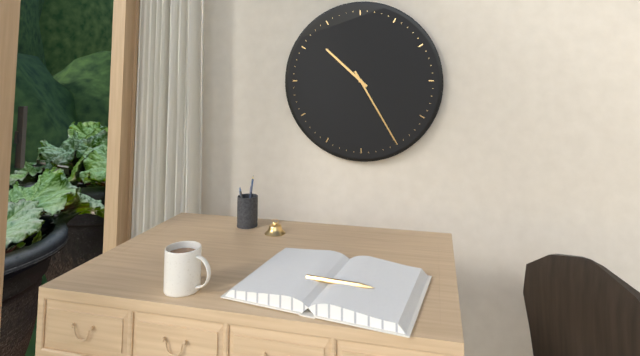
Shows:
10:25
